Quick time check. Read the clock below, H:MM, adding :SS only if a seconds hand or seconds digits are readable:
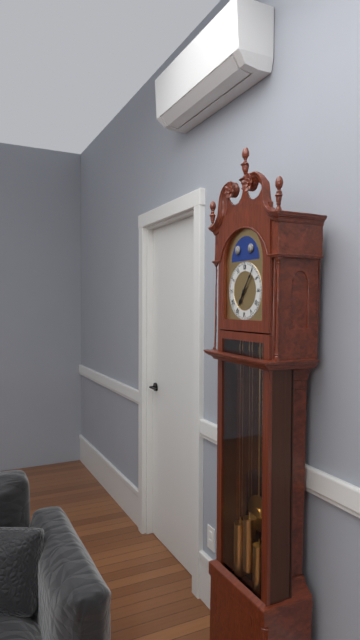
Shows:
7:06
